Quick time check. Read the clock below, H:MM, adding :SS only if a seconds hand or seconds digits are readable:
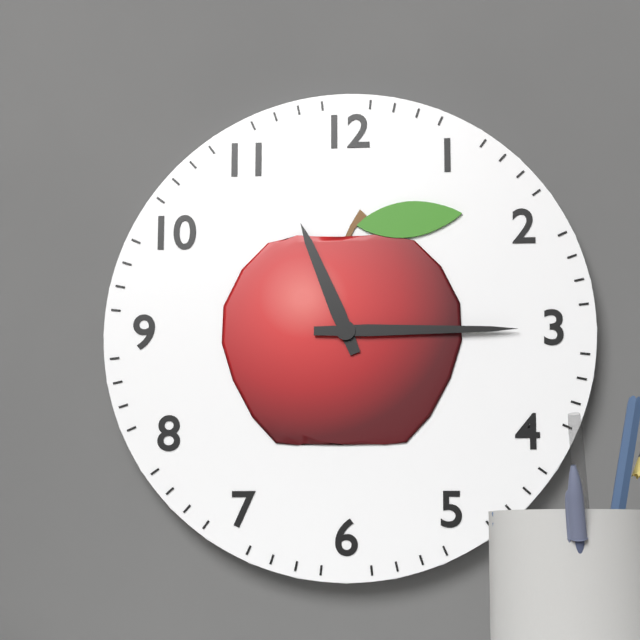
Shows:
11:15
